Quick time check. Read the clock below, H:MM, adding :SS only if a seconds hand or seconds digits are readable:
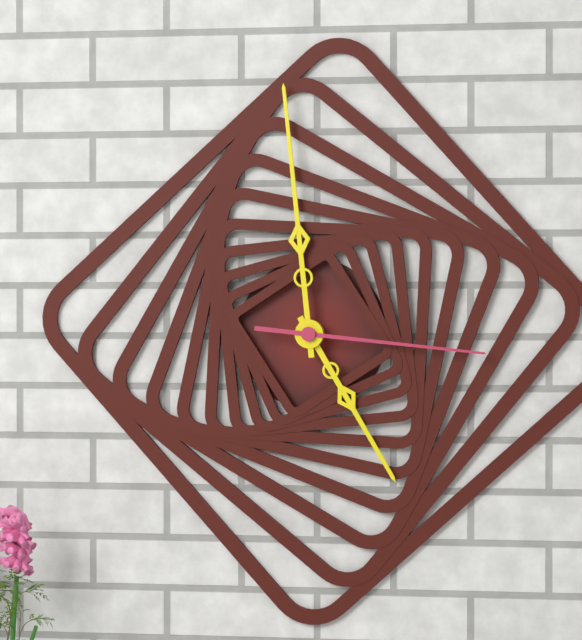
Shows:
4:59:16
